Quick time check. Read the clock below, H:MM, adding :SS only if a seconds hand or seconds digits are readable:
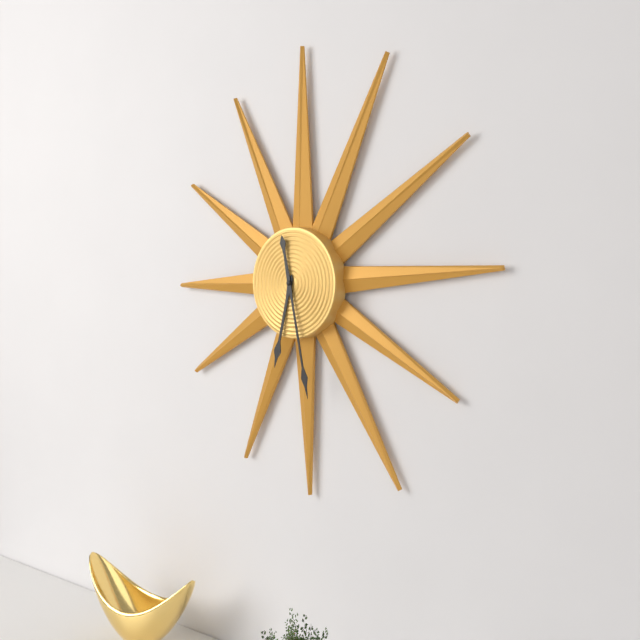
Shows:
6:28
